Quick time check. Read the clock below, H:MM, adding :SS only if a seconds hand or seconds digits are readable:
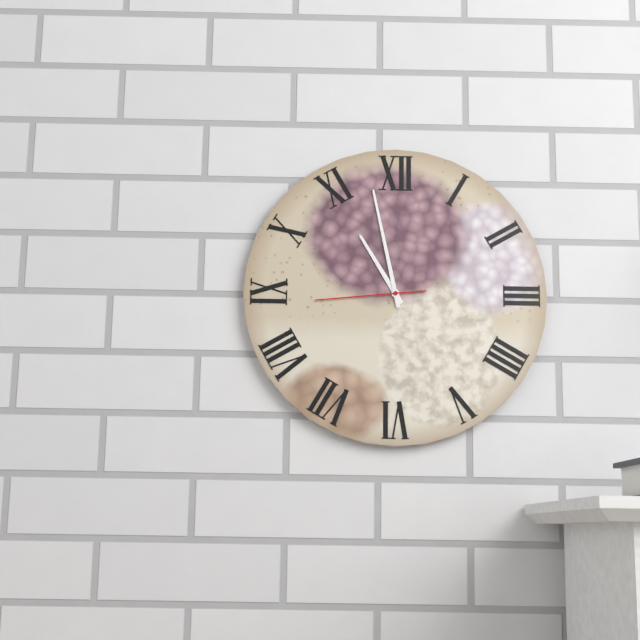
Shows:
10:58:44
